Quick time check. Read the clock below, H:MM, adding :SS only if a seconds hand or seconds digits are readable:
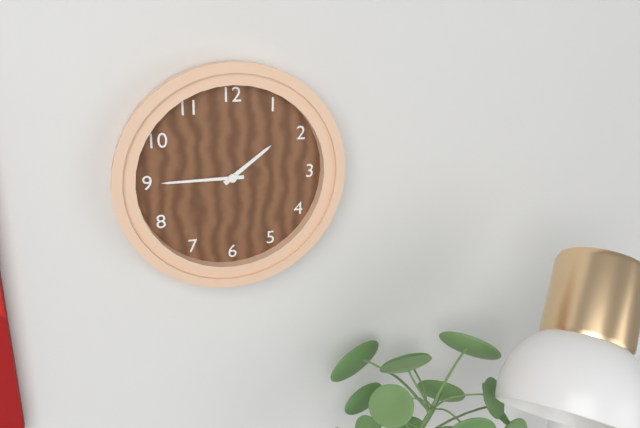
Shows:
1:45
